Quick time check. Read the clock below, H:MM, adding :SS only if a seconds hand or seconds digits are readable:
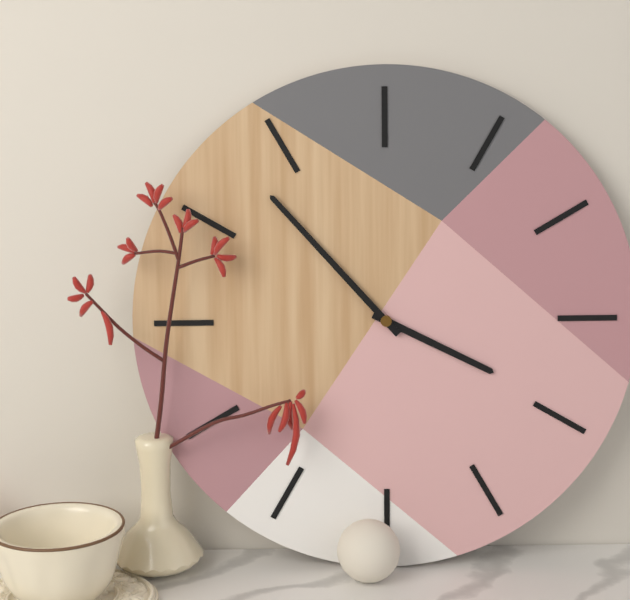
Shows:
3:53
